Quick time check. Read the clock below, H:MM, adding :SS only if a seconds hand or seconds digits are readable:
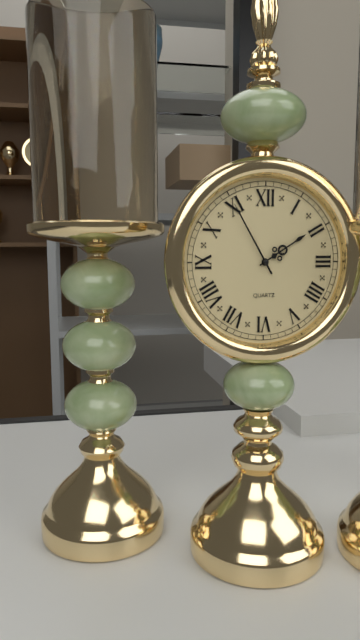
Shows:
1:55
